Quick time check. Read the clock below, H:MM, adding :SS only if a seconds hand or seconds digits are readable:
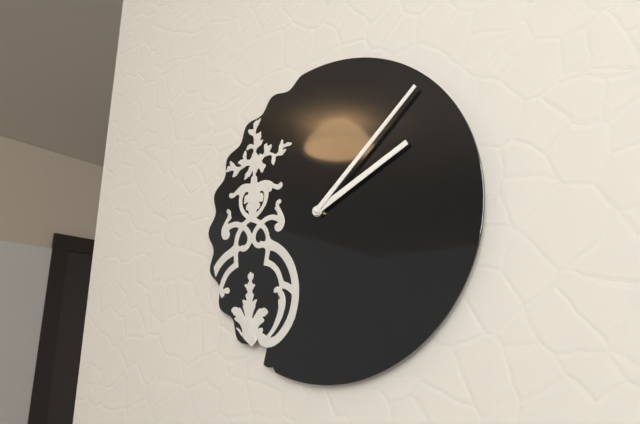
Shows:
2:08
